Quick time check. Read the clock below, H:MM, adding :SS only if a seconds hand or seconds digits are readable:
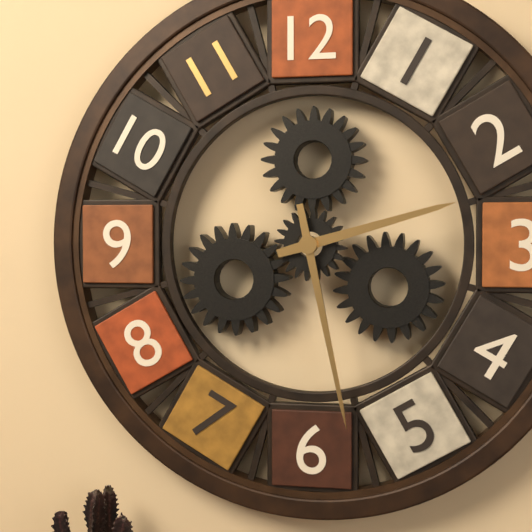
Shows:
2:28
